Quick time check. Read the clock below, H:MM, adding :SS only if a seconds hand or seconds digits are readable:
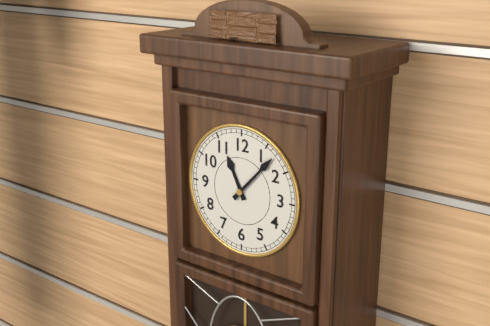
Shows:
11:07
